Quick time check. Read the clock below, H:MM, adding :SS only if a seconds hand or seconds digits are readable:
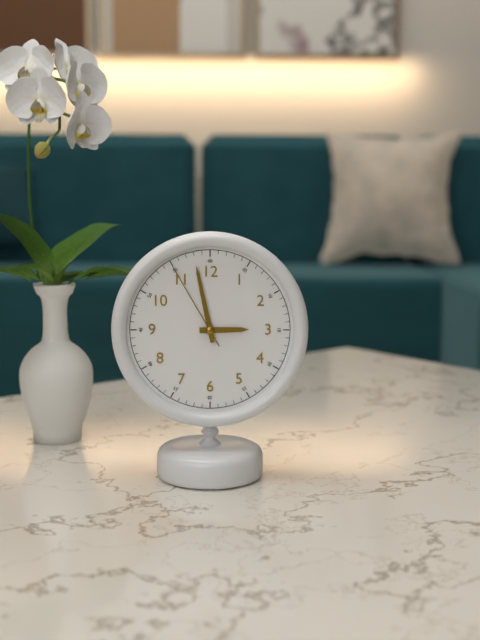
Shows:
2:58:55
